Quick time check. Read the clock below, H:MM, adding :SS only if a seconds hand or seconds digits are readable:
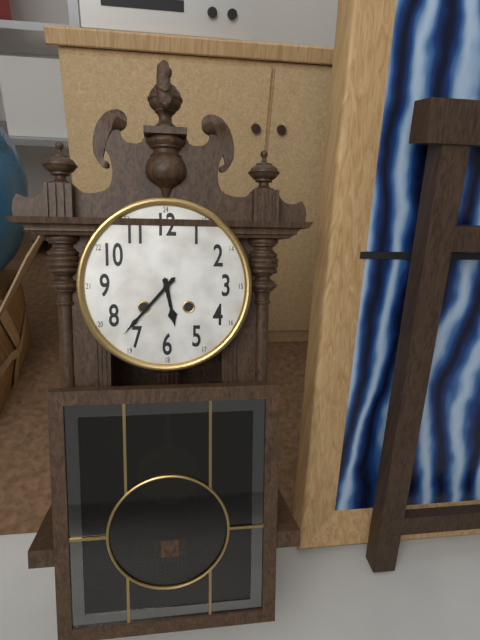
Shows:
5:37
